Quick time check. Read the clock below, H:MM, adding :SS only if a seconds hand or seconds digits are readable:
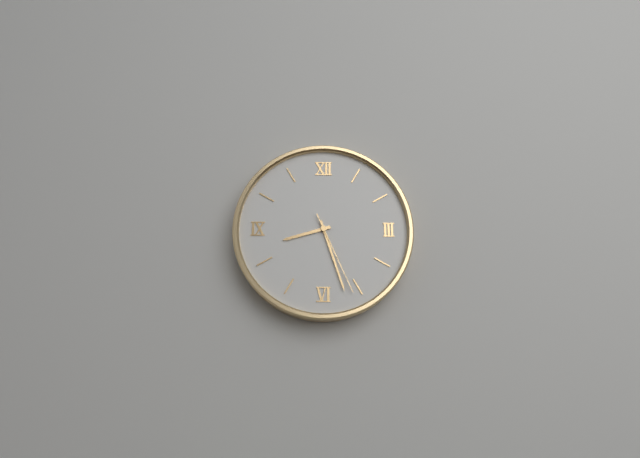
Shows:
8:27:26
